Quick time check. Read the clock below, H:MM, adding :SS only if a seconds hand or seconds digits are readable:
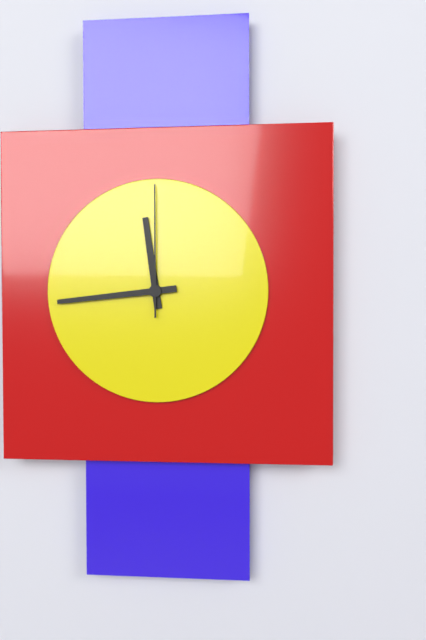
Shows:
11:44:00
